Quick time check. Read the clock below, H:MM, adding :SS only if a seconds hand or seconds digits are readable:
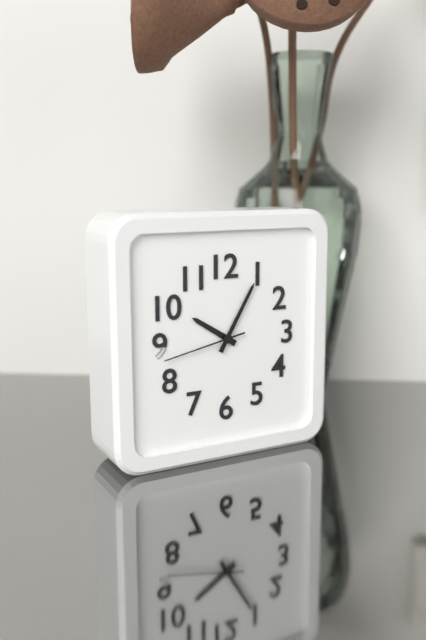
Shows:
10:05:43
